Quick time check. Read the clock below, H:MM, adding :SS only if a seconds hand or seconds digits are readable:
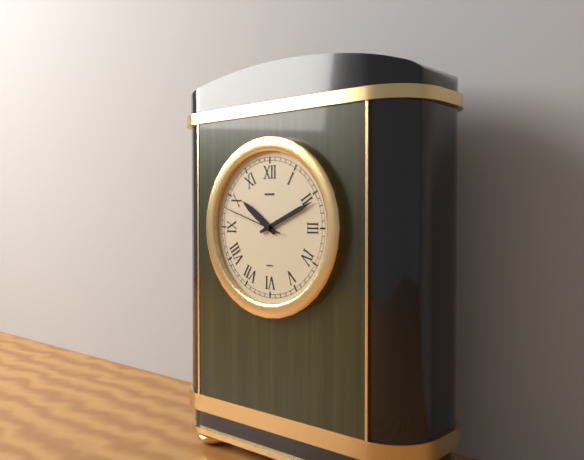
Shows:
10:11:48
